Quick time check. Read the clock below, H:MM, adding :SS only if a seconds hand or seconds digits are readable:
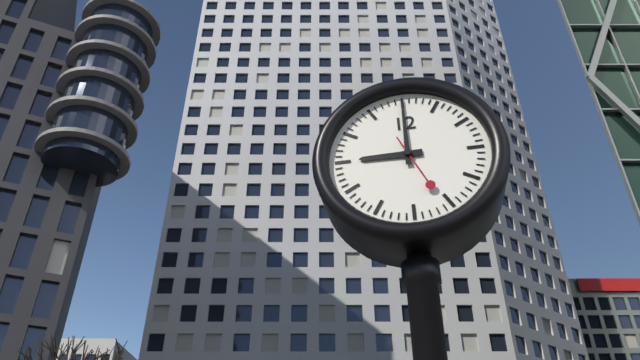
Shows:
9:00:26
